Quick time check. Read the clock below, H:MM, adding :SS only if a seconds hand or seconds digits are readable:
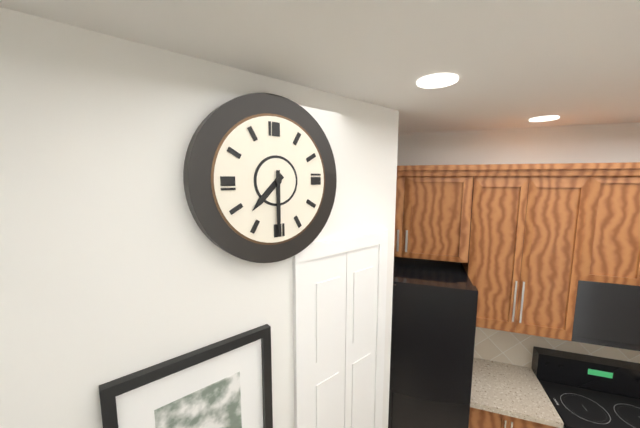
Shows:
7:30
